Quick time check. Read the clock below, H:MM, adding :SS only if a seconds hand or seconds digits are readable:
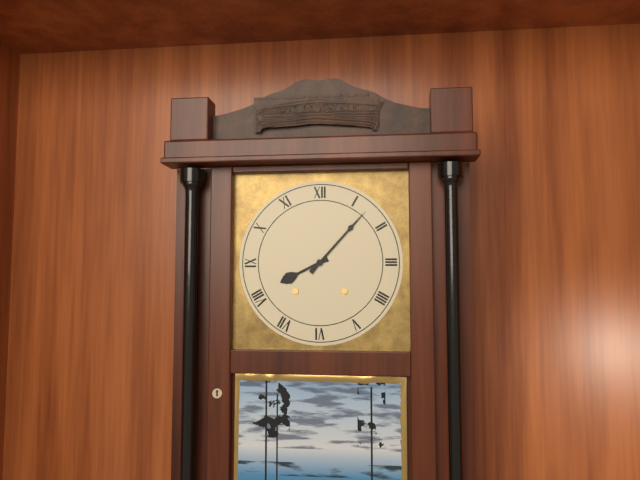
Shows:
8:07
